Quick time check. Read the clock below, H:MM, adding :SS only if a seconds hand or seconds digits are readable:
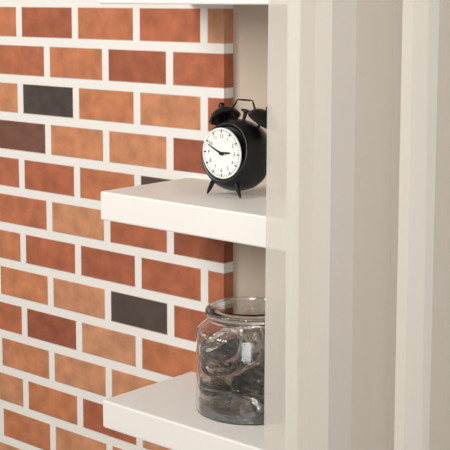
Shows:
2:49
